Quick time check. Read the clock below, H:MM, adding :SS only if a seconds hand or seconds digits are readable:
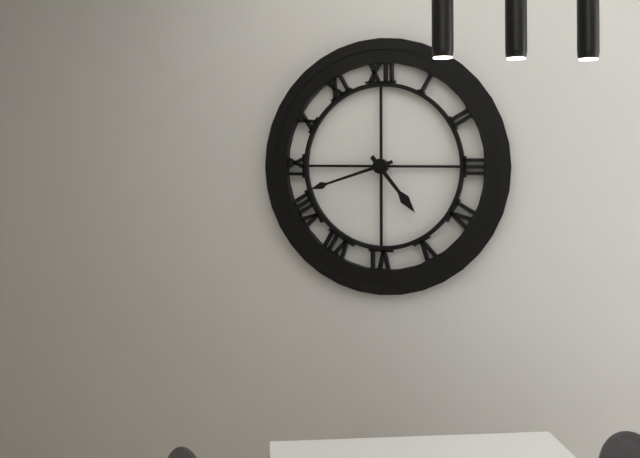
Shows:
4:42
